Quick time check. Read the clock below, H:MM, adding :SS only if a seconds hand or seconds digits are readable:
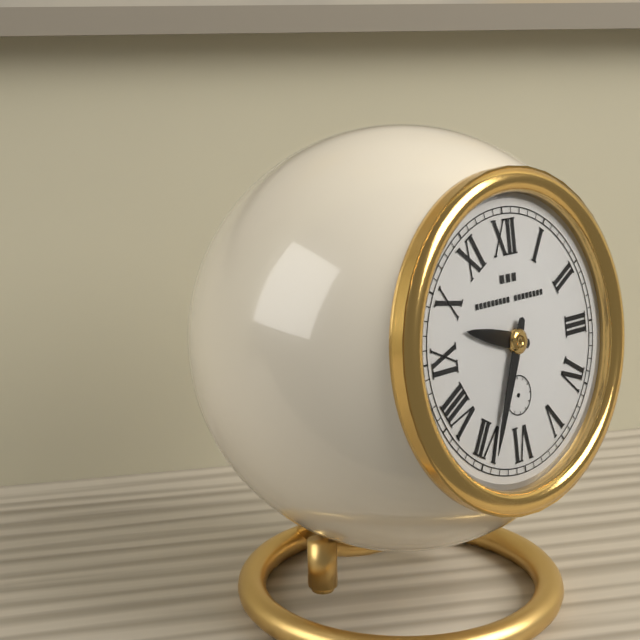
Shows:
9:34
